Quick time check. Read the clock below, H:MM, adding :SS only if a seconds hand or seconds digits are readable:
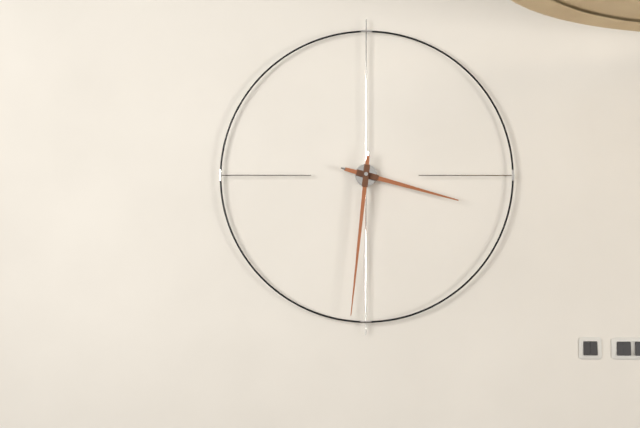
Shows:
3:31
